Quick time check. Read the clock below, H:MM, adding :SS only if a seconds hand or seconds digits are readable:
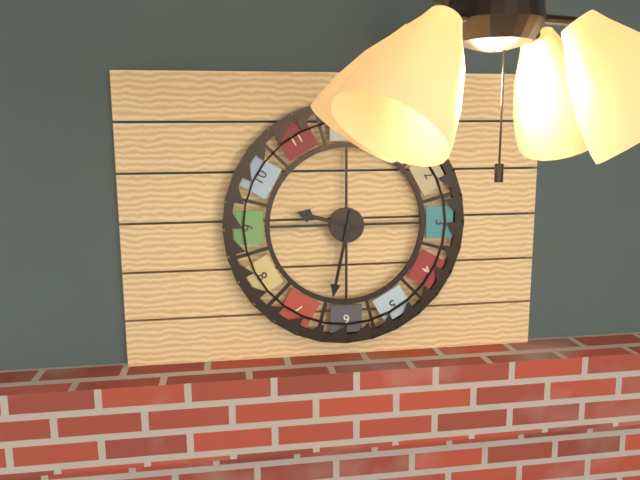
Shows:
9:32
